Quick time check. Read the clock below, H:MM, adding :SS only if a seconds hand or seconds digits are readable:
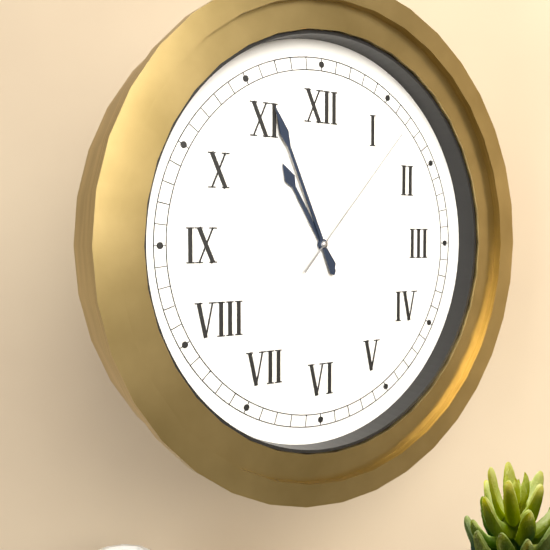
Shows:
10:56:07
